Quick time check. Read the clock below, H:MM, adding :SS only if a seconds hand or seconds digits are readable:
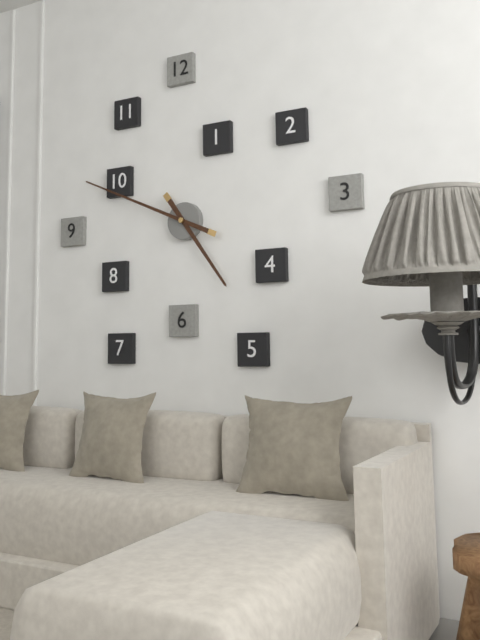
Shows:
4:49
